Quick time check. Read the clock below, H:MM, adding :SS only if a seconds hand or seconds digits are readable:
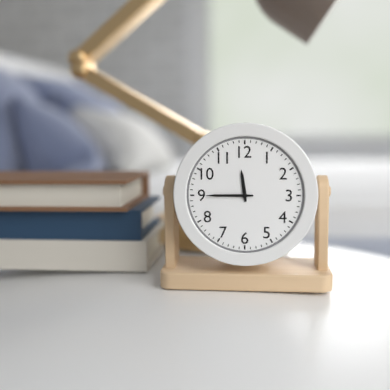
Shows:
11:45
